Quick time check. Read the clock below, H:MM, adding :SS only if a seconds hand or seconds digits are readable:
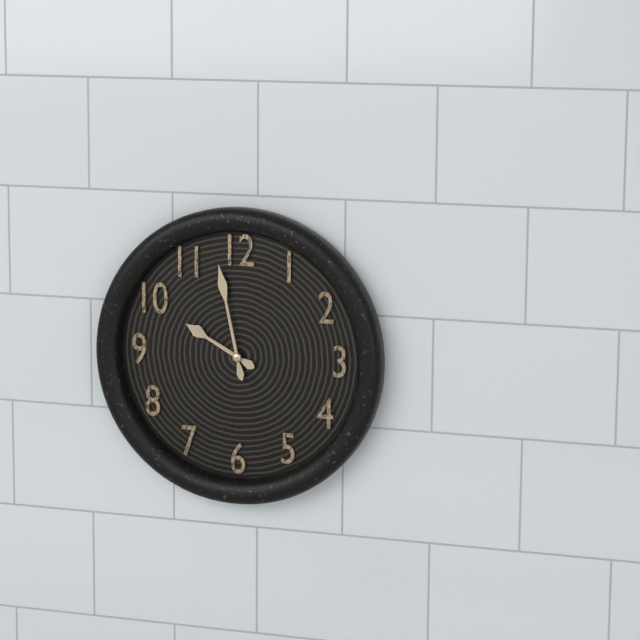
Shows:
9:58
